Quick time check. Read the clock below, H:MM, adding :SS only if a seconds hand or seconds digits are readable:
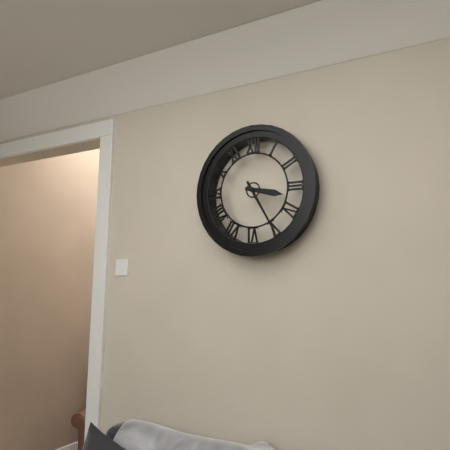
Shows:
3:25
